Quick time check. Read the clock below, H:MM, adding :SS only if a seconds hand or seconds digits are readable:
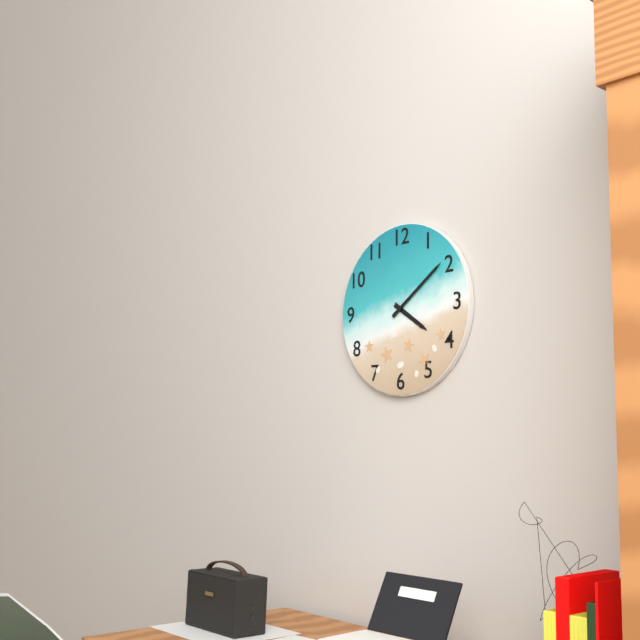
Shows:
4:09
